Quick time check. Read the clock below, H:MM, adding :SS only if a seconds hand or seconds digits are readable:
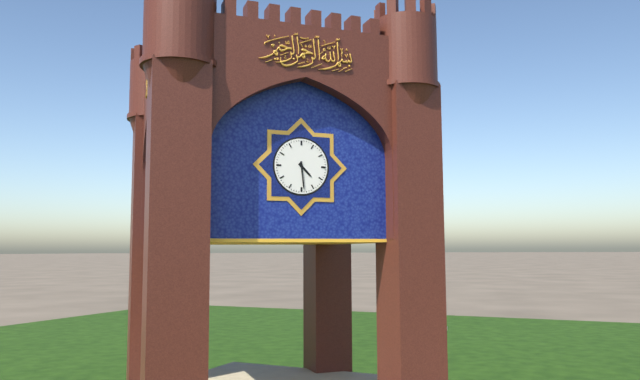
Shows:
4:29
